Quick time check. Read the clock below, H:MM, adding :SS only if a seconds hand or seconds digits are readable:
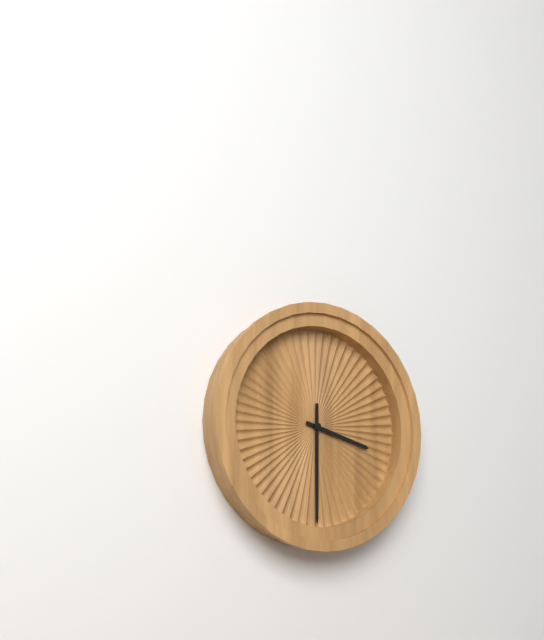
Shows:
3:30
